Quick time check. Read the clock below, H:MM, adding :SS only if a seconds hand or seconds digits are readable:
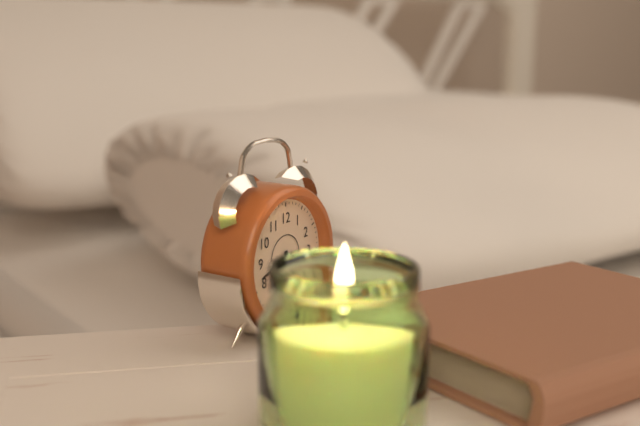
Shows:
5:42
